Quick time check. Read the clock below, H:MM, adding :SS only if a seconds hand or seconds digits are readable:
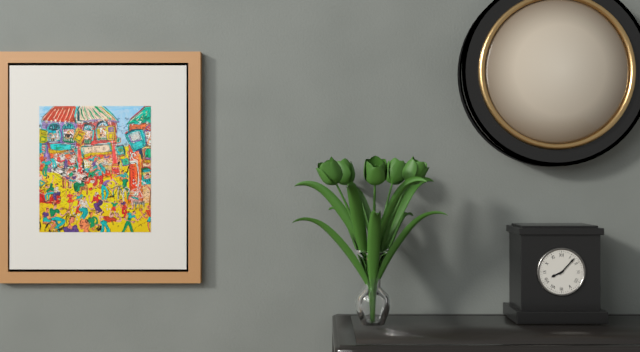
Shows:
8:07
